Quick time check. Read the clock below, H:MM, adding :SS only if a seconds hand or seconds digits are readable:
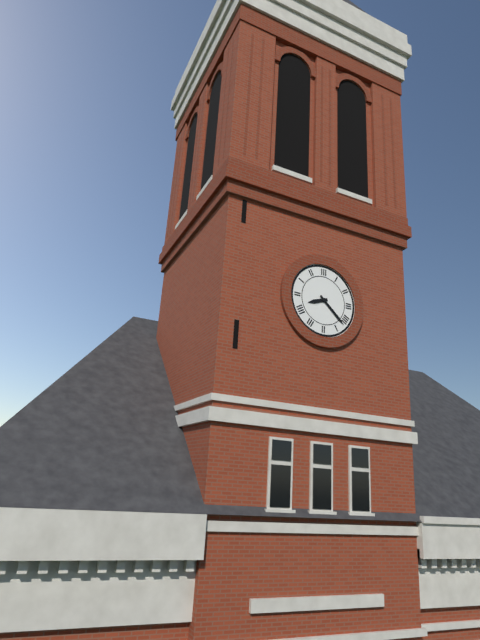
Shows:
8:22
